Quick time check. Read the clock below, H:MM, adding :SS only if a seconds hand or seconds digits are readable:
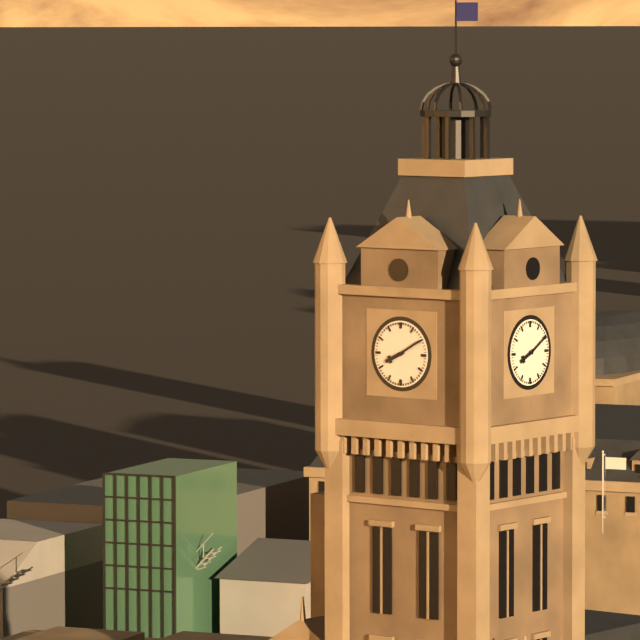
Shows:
8:10
